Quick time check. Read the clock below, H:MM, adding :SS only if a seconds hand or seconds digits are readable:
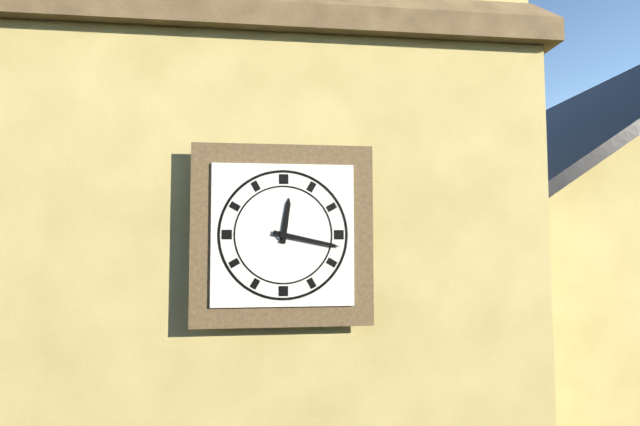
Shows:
12:17
